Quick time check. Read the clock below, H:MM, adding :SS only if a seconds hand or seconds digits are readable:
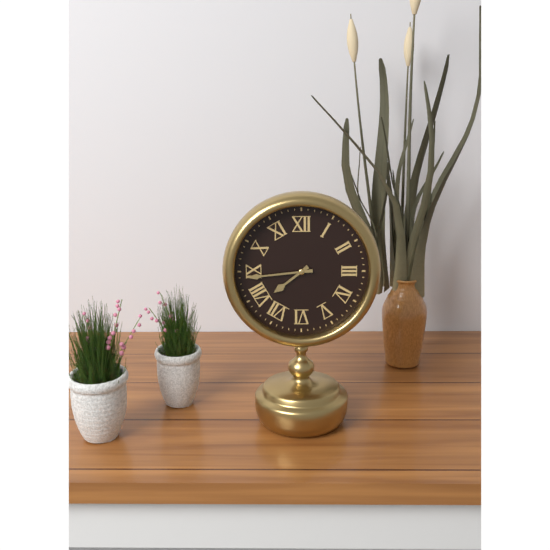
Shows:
7:44
